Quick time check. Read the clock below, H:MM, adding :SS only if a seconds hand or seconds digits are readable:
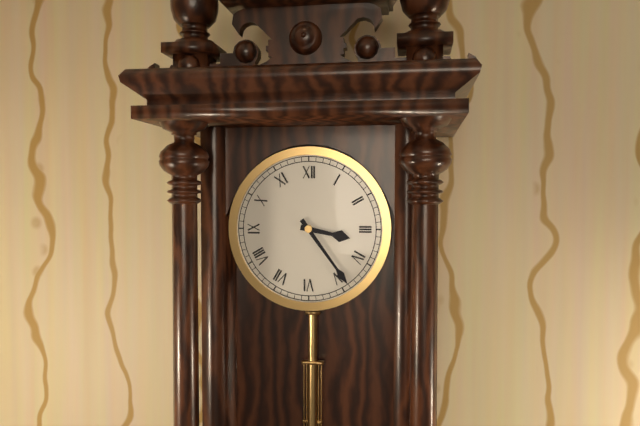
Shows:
3:24
